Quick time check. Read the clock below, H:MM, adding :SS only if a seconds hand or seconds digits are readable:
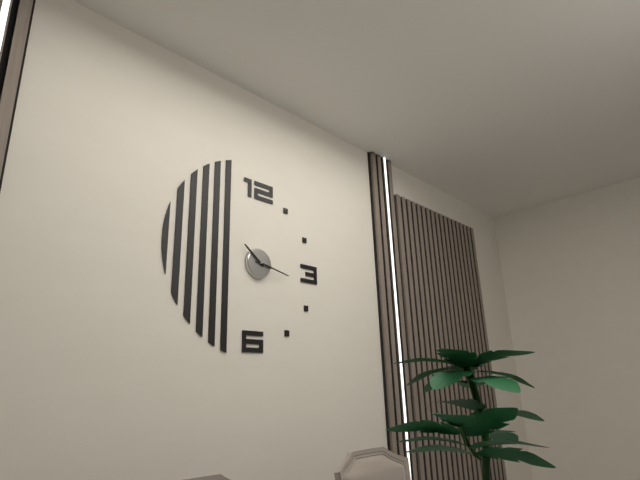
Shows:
10:17
